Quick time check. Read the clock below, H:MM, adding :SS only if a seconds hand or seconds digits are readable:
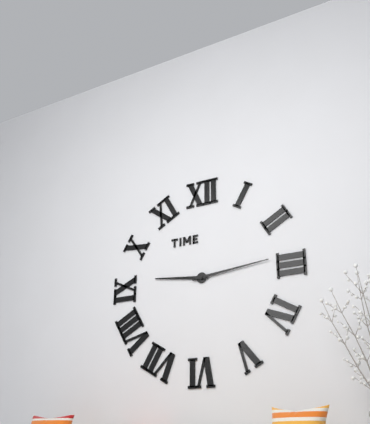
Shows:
9:14
